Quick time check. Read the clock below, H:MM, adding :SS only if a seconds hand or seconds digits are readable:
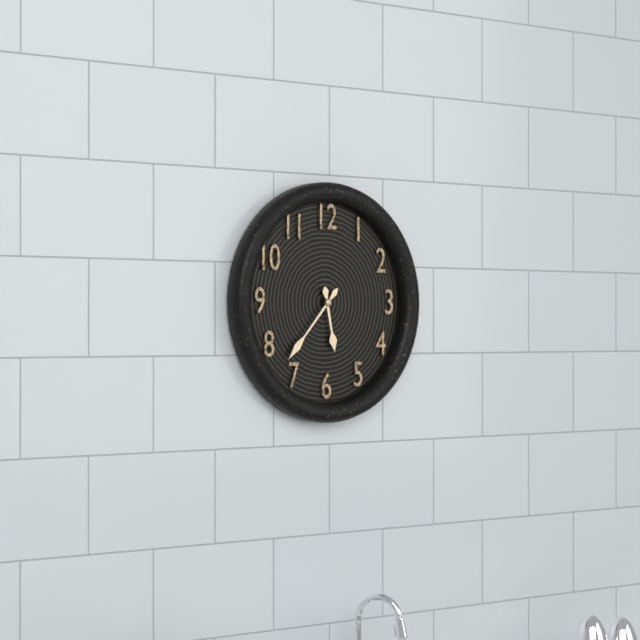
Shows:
5:37
